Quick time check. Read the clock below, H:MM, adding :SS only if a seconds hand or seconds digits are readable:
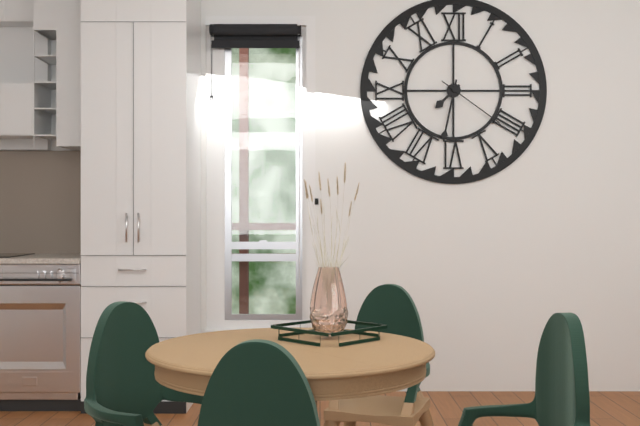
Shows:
7:32:21
